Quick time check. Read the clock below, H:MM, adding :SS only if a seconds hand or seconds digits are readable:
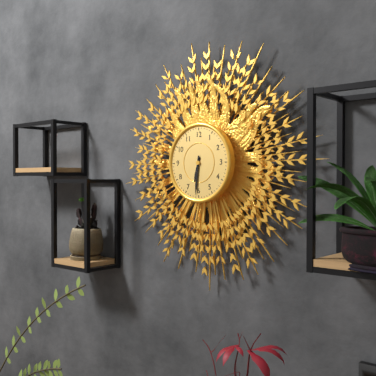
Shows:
6:31
